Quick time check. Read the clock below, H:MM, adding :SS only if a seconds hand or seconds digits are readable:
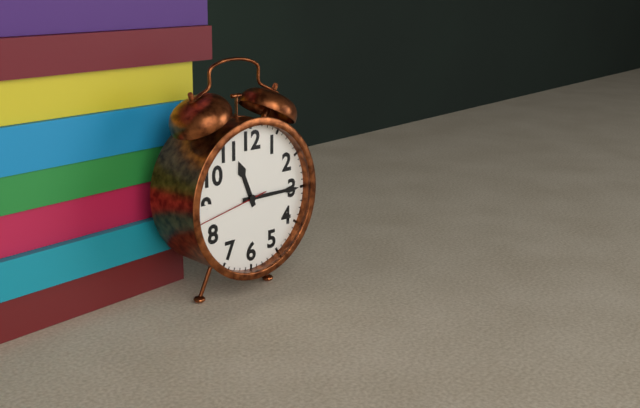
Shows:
11:15:43
